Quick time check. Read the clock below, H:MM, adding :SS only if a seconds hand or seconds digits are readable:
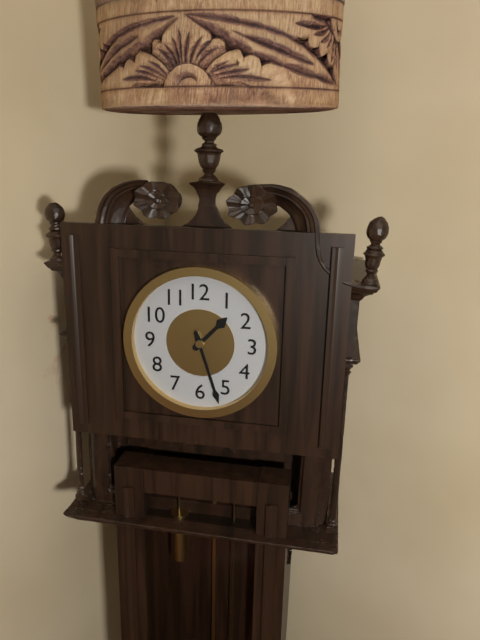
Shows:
1:27
